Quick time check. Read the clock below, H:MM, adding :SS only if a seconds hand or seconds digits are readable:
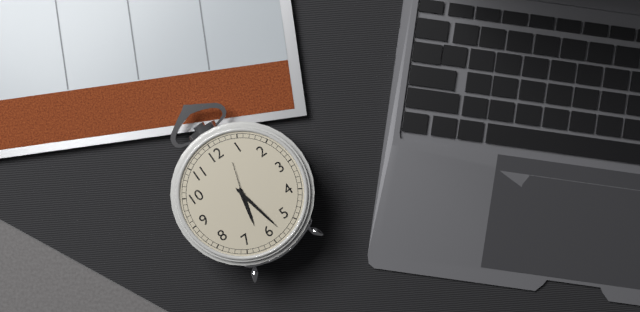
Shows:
6:28
